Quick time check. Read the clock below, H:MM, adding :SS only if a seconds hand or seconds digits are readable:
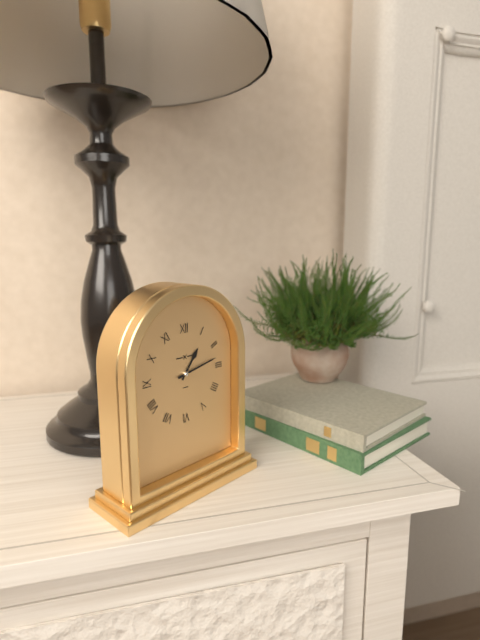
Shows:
1:13
